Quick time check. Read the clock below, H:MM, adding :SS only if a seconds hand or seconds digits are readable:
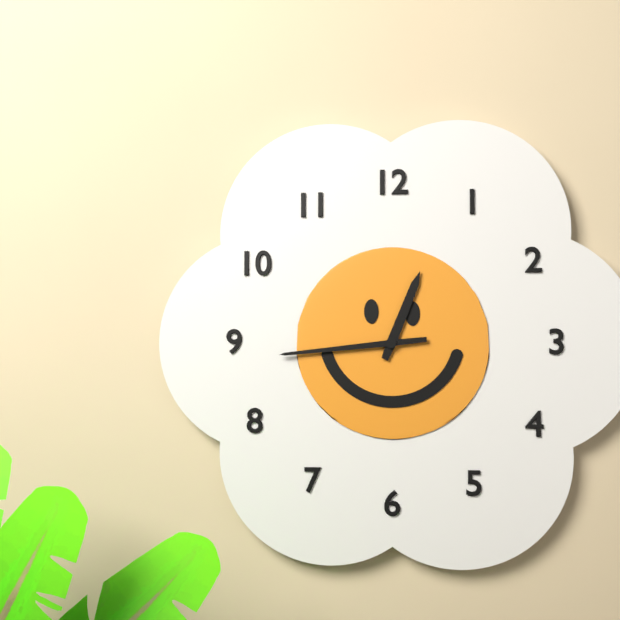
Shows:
12:44
